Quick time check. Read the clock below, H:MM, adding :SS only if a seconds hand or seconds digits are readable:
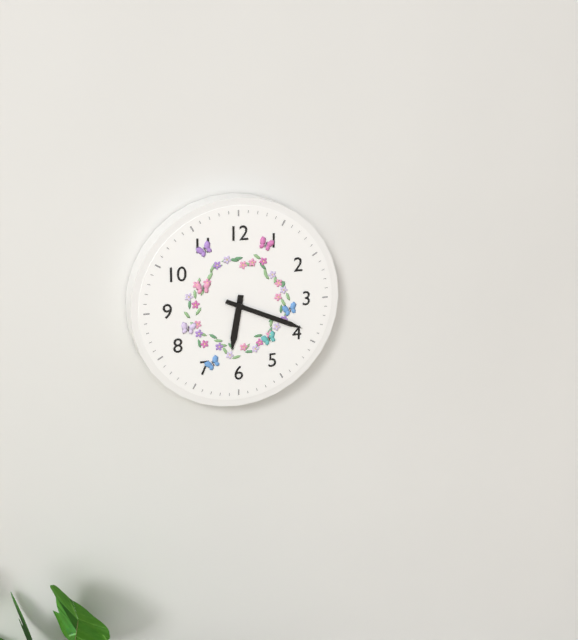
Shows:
6:19
